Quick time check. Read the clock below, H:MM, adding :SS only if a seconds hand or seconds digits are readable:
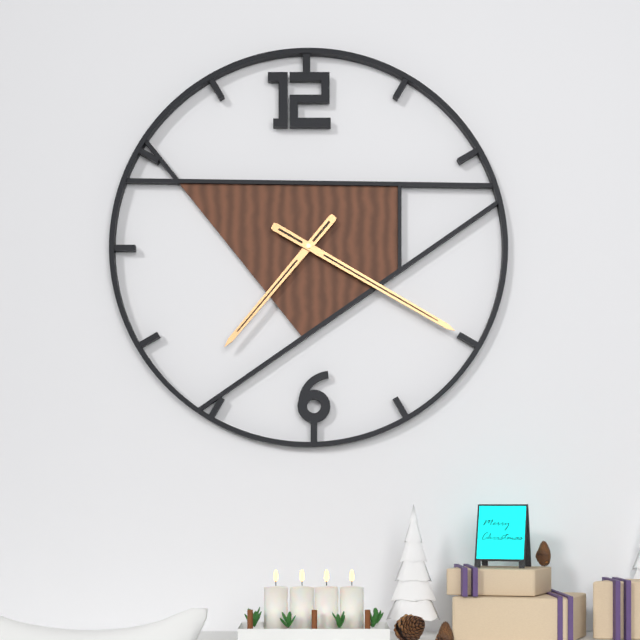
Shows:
7:20
